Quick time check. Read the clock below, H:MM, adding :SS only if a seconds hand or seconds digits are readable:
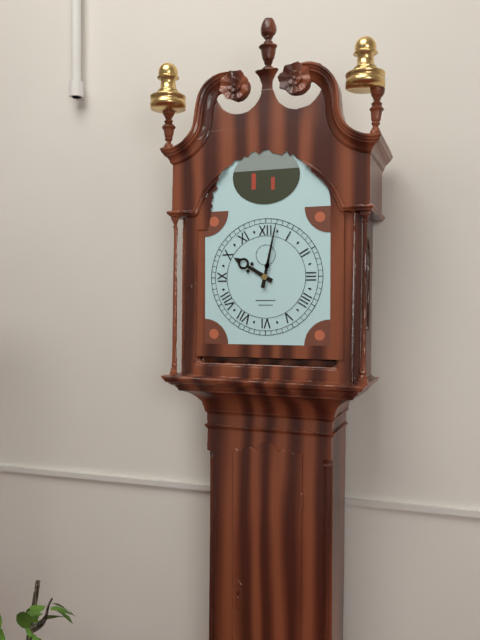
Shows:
10:02
